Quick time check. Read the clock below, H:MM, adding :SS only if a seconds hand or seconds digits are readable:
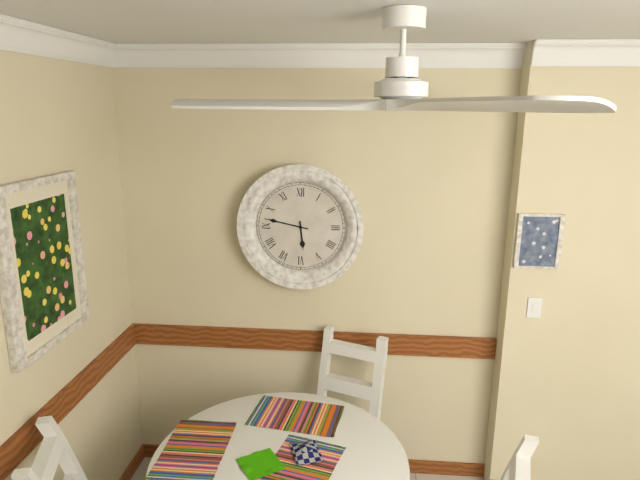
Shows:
5:47
